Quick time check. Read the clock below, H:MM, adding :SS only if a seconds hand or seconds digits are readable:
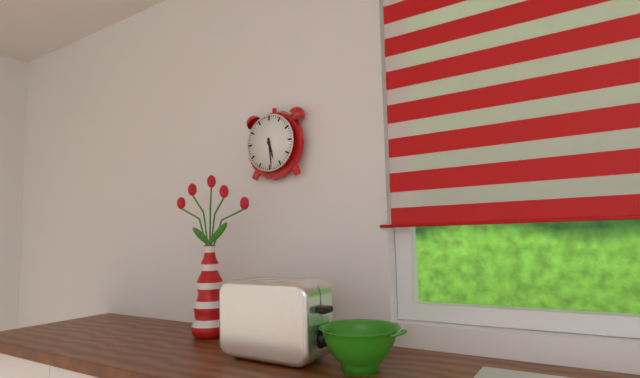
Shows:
5:29
